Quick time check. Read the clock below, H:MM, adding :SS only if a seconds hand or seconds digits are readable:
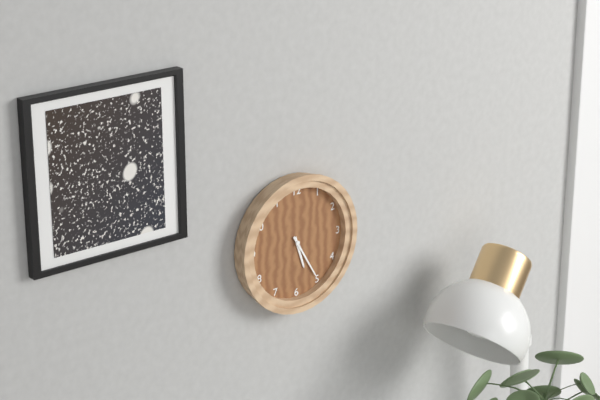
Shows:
5:25
